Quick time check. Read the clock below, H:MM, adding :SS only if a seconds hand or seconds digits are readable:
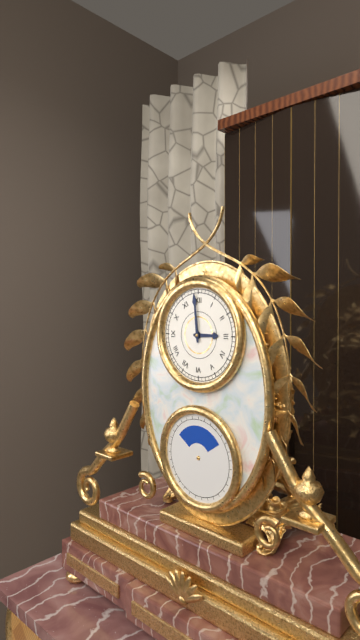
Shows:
2:59
